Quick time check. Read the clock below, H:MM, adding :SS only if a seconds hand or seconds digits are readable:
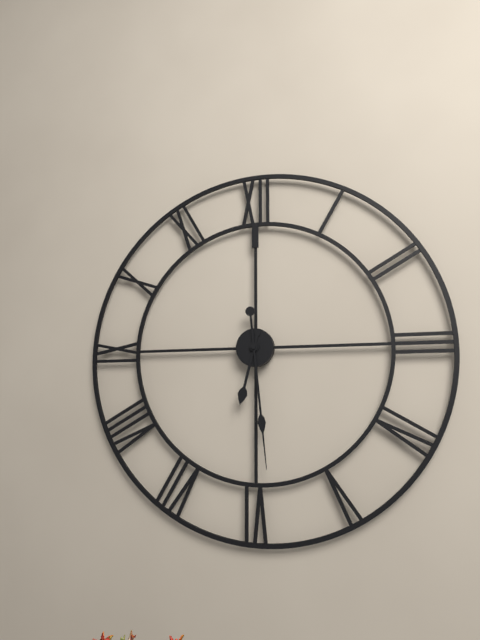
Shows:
6:29
